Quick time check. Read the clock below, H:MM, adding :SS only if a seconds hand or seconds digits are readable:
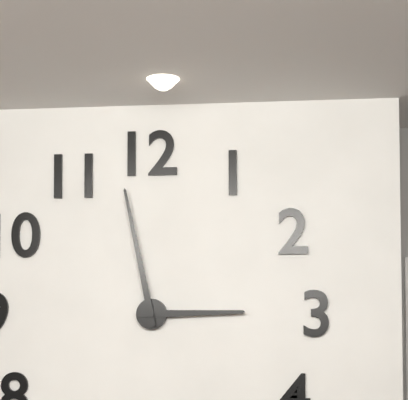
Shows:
2:58
